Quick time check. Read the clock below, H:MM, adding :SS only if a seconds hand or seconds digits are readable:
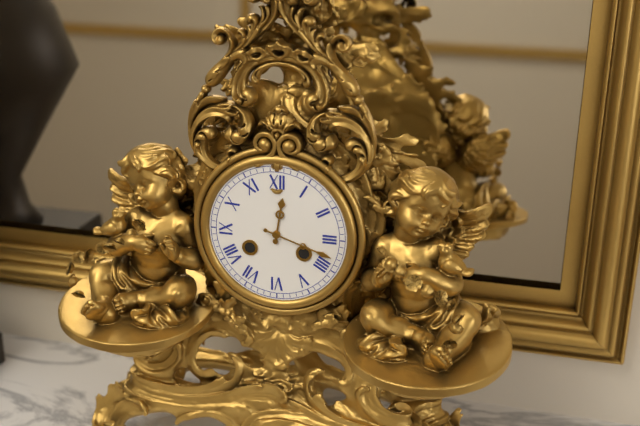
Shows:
12:18
